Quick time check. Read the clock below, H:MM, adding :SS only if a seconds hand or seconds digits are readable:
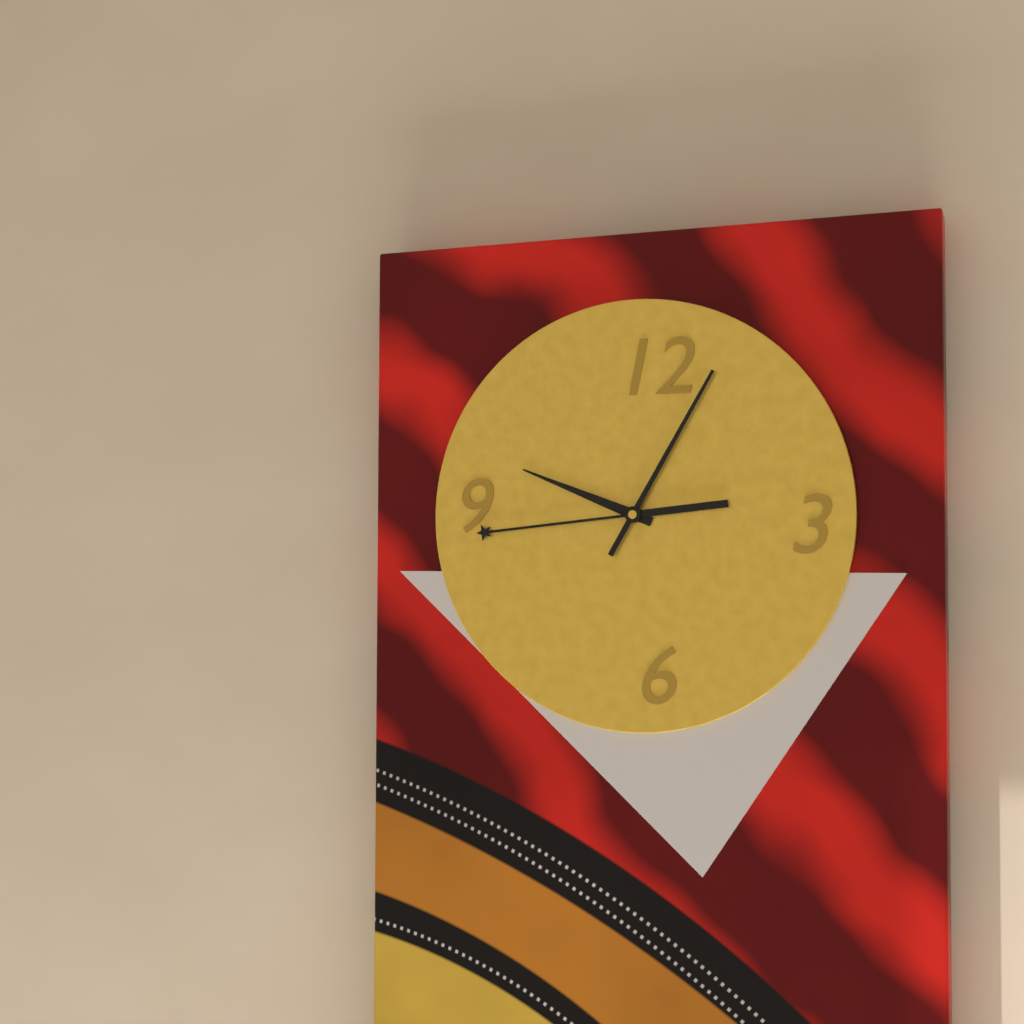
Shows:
9:44:05
